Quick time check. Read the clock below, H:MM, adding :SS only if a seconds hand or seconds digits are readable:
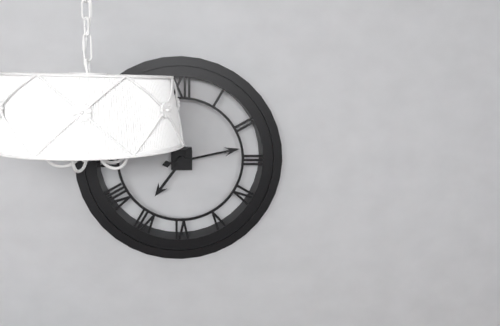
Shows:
7:13
